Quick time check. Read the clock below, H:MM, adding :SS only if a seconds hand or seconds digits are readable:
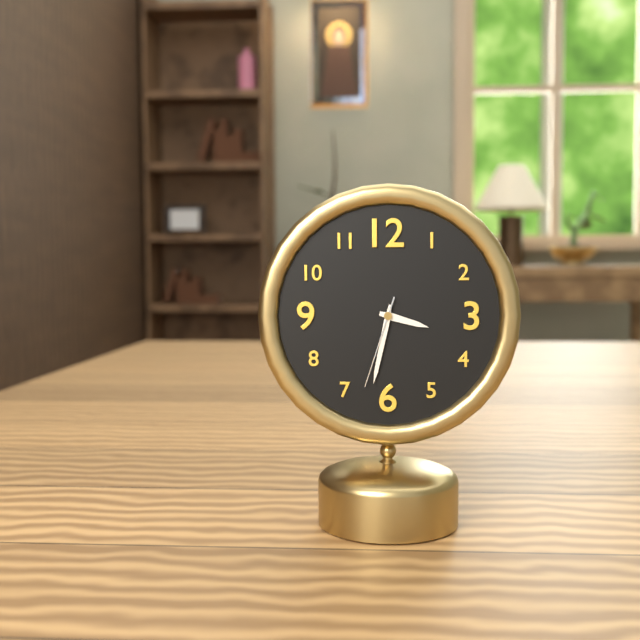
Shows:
3:32:33
